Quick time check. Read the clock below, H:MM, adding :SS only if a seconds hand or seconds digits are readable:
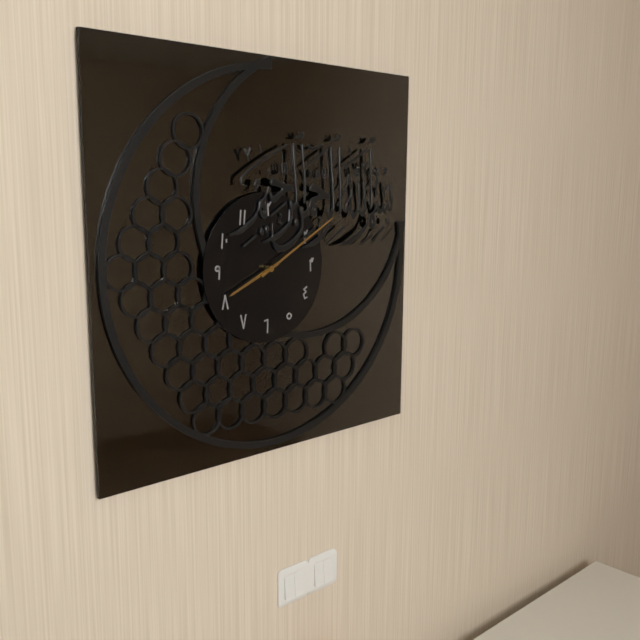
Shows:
8:10
